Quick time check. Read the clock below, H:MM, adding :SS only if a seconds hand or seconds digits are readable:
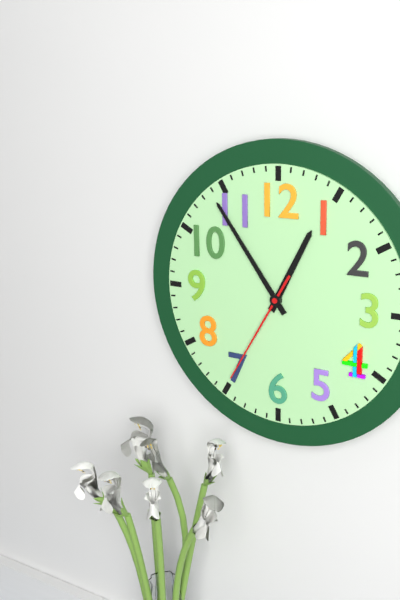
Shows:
12:54:35
